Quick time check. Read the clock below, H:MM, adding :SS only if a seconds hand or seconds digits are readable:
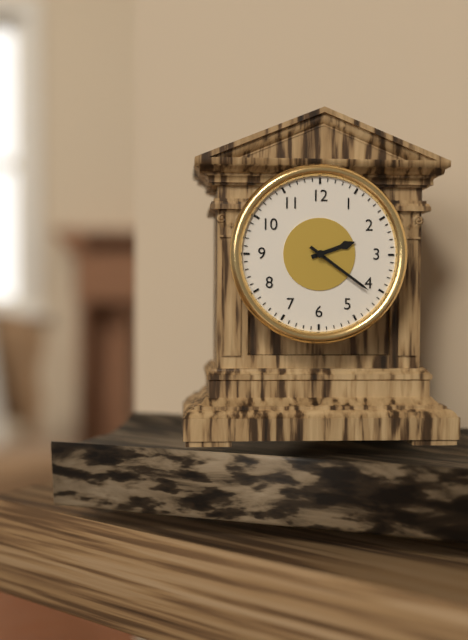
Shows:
2:21
